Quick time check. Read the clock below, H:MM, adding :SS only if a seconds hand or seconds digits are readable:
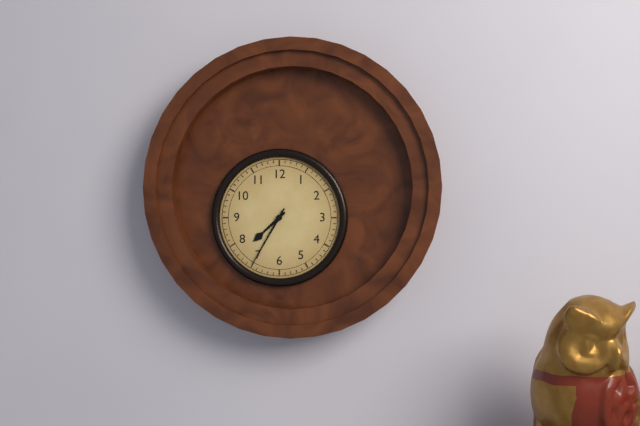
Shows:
7:35
